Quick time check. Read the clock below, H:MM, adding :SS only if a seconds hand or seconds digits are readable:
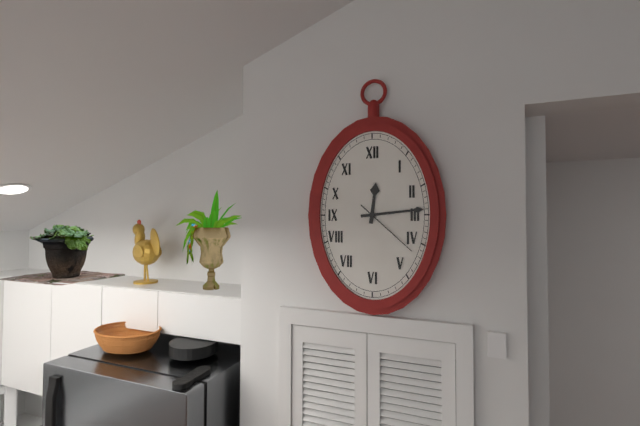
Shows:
12:14:22
